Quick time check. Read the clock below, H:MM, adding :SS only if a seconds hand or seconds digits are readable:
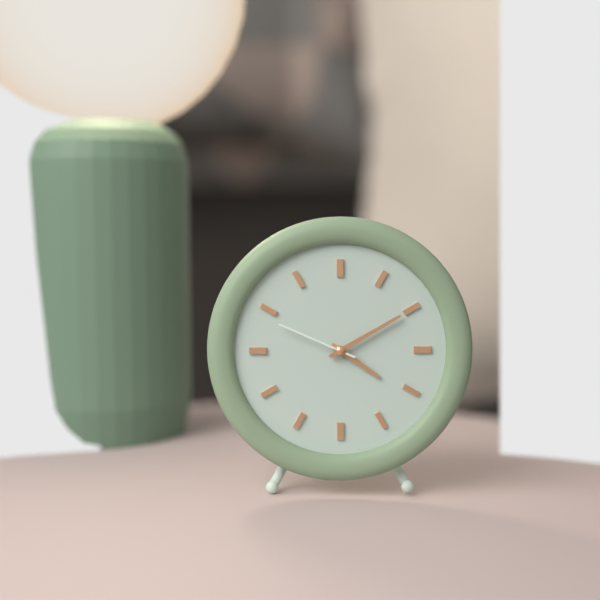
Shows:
4:10:49
